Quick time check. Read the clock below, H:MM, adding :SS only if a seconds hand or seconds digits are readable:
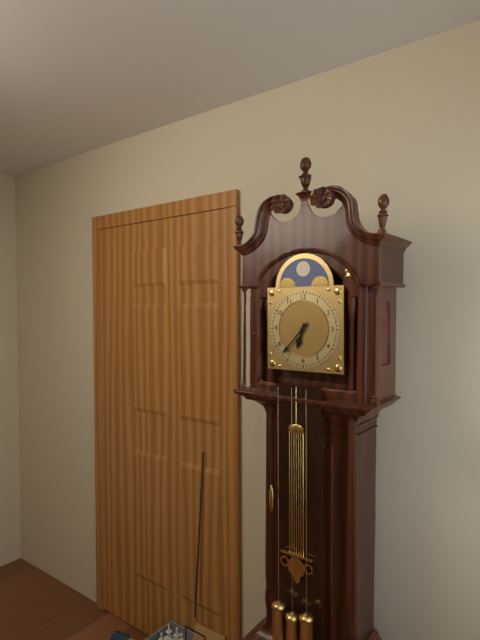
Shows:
6:37
